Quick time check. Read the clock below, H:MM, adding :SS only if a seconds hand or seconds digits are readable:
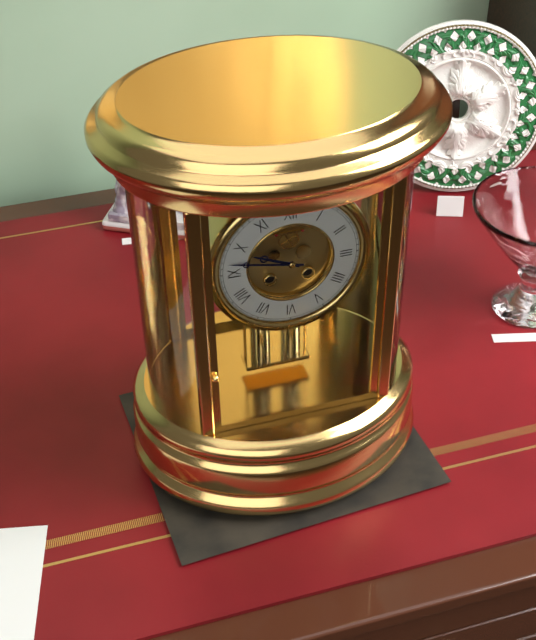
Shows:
9:47
